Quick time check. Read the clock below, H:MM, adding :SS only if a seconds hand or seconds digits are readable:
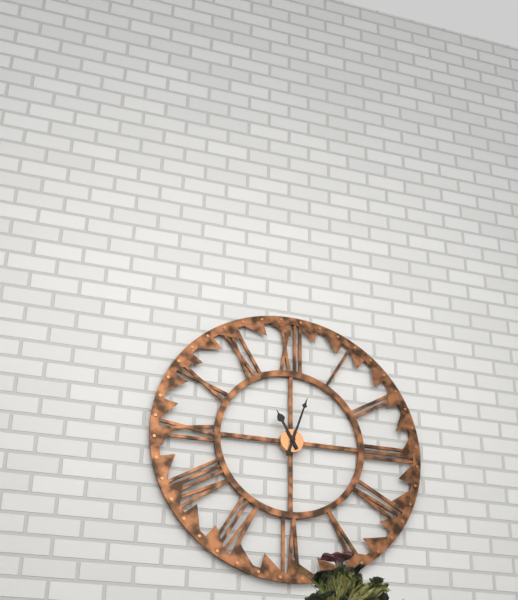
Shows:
11:03
